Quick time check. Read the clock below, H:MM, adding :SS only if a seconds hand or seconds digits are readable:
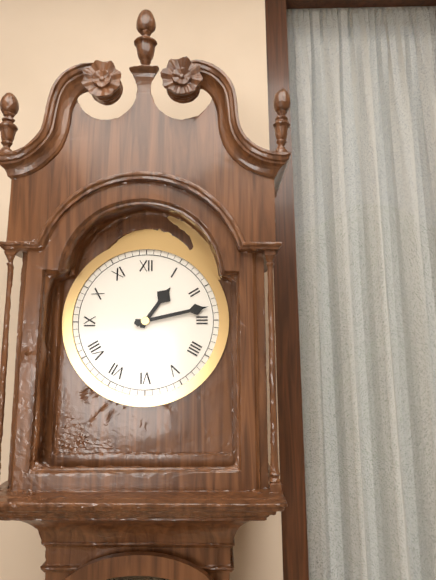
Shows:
1:13
